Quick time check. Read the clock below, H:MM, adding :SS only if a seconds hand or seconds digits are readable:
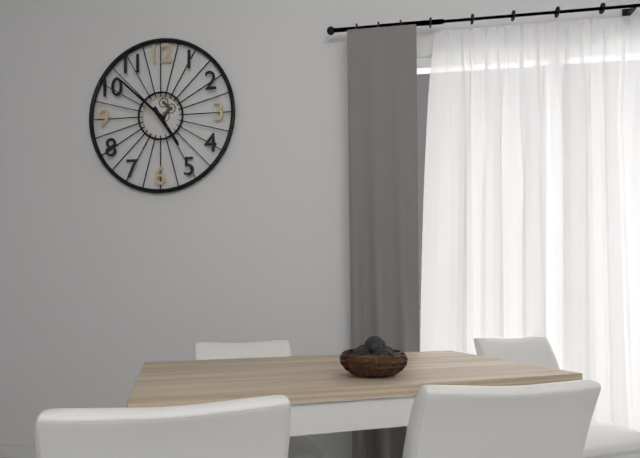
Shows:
4:52
